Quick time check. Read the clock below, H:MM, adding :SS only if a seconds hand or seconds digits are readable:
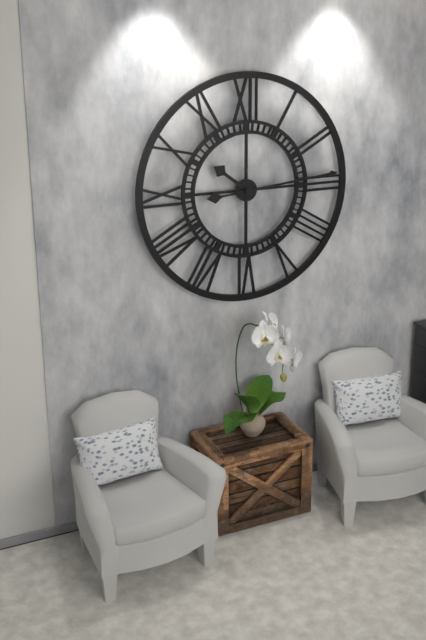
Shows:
10:14
